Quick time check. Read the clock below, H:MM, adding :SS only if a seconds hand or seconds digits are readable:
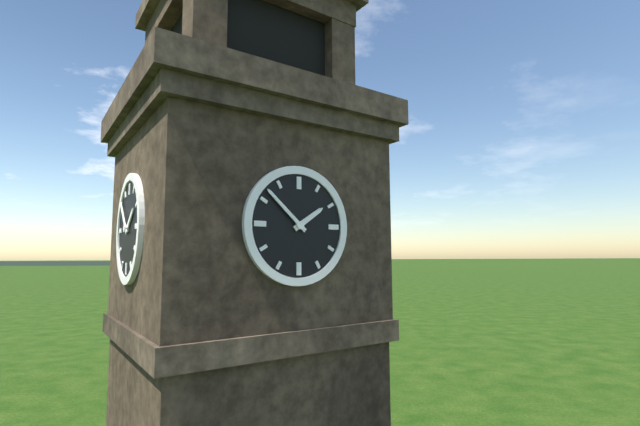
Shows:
1:52
